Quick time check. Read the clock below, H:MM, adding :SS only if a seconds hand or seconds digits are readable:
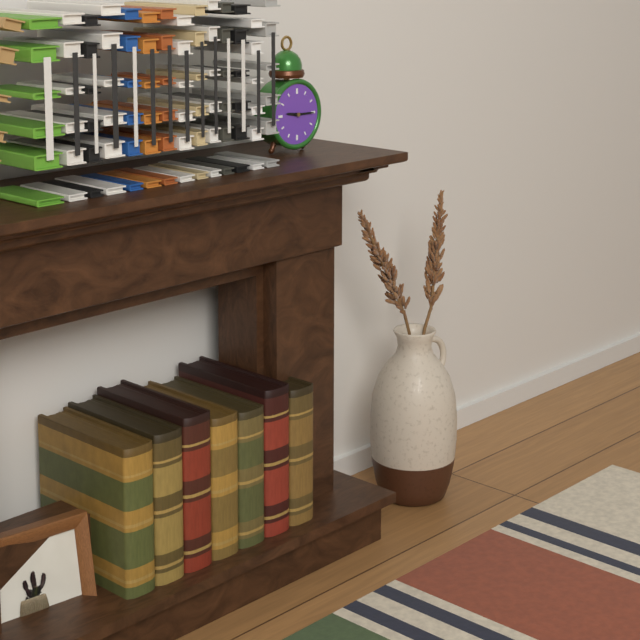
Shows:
9:15
